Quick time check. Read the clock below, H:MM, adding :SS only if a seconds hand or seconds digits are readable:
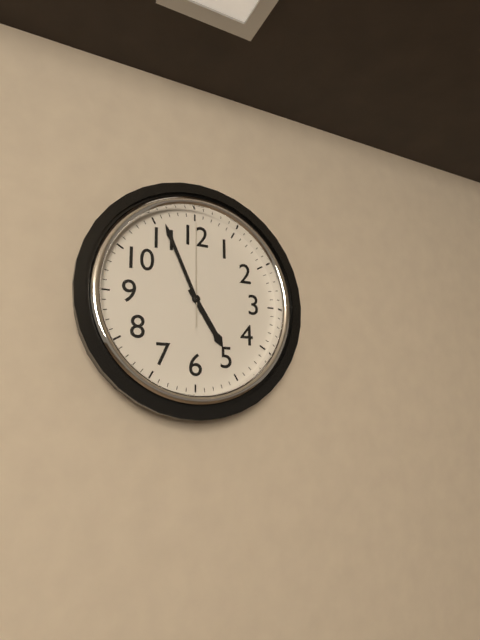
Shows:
4:56:00
